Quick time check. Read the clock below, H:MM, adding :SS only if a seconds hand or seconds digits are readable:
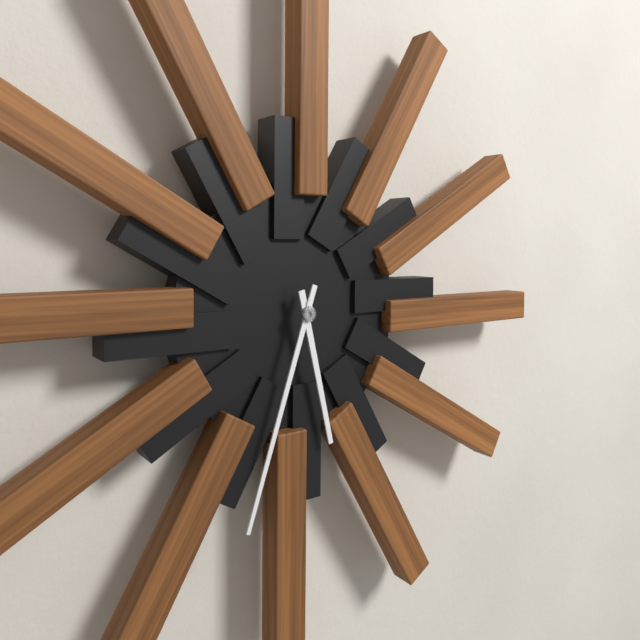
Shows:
5:33
